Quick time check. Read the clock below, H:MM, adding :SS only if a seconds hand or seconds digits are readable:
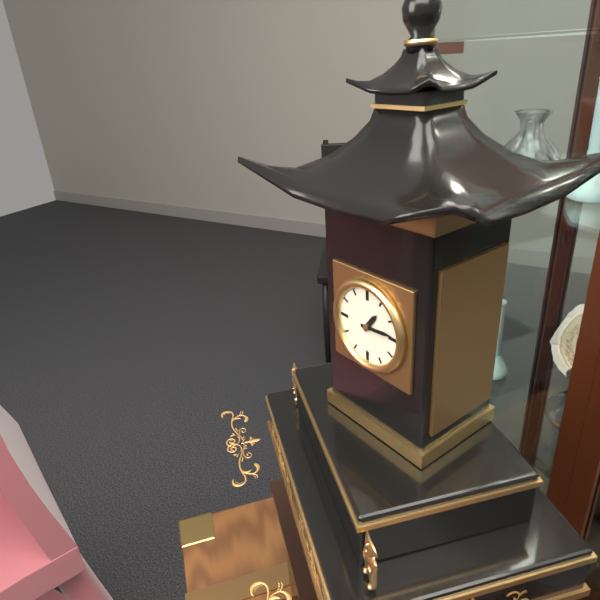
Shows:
1:14
